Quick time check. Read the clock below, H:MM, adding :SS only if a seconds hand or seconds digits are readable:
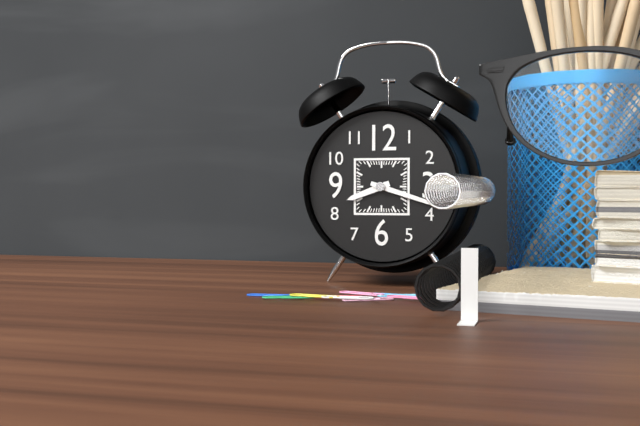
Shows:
8:18
